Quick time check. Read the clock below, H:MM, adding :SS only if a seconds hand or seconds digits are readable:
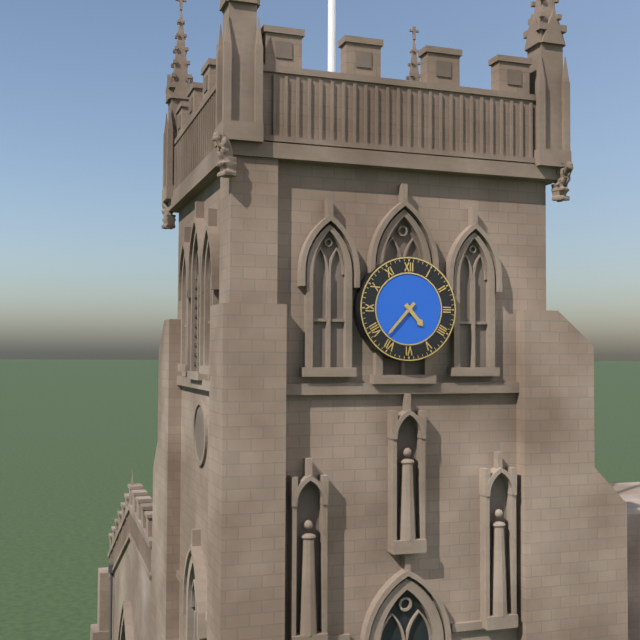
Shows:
4:37
